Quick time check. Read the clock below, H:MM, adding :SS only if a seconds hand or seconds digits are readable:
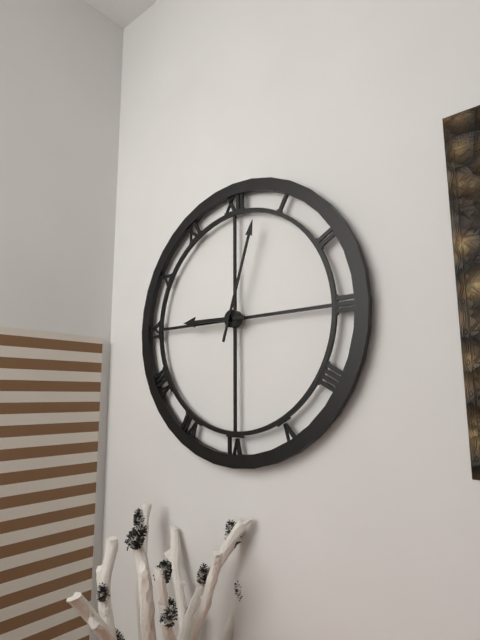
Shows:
9:03
